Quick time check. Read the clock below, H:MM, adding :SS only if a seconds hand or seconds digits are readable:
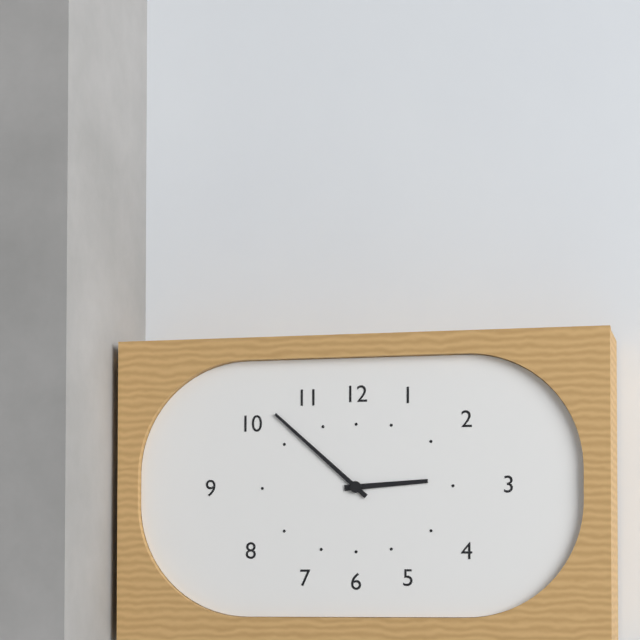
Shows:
2:52
